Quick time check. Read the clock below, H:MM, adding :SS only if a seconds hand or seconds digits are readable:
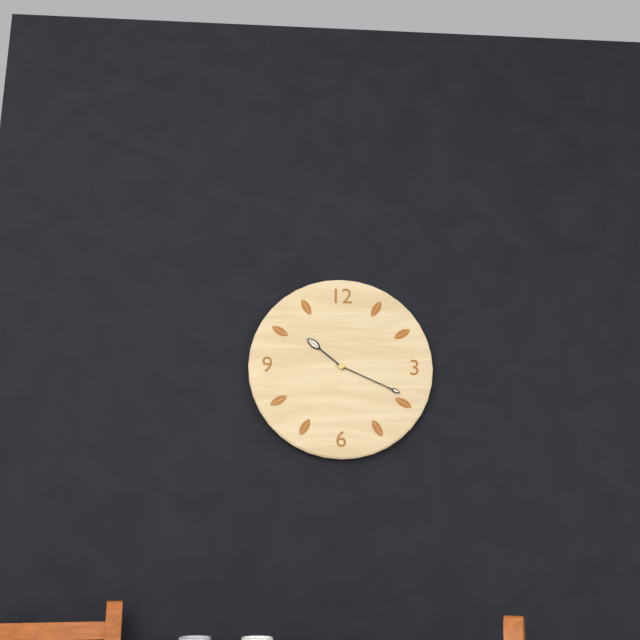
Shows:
10:19
